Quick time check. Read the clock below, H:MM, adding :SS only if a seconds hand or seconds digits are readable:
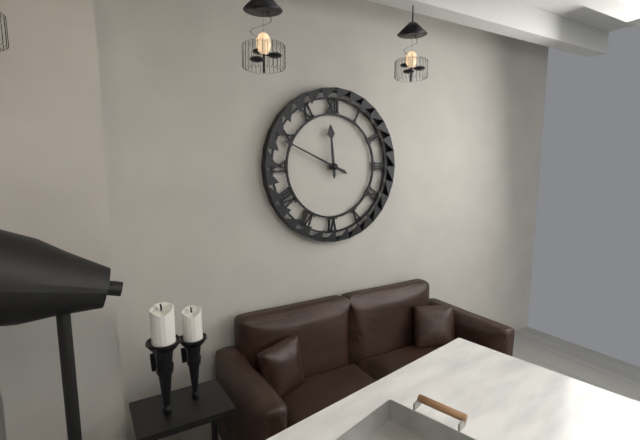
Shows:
11:49
